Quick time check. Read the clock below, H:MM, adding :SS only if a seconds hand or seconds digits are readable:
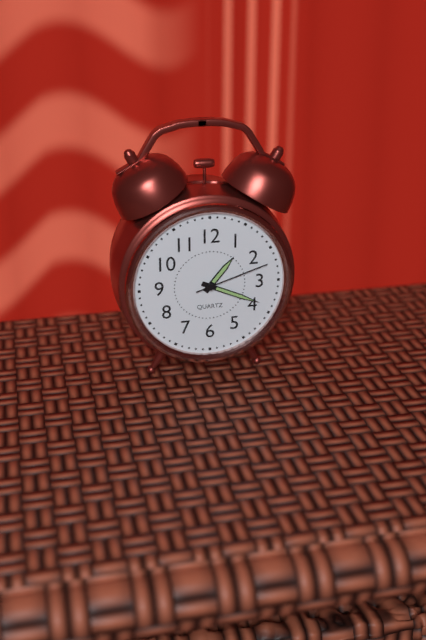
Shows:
1:19:12
